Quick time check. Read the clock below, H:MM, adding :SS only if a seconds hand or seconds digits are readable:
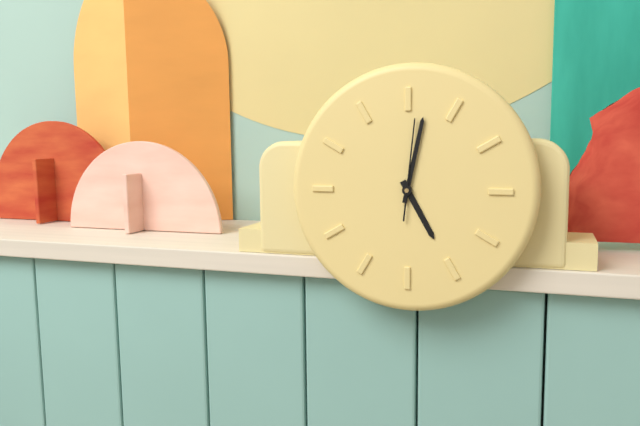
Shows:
5:02:01
